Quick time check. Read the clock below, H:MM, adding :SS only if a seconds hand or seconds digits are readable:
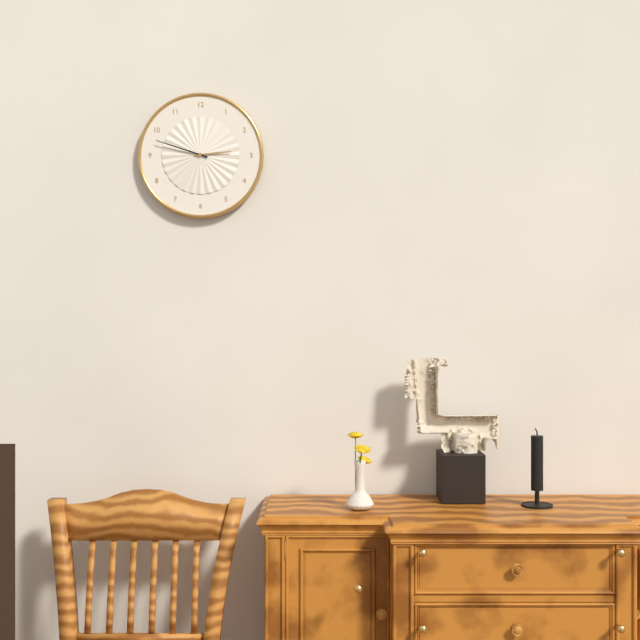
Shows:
2:48
